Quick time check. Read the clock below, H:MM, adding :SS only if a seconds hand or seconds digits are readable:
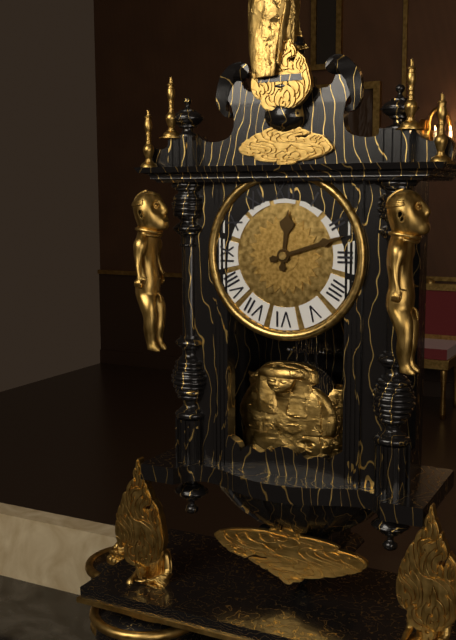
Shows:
12:12
